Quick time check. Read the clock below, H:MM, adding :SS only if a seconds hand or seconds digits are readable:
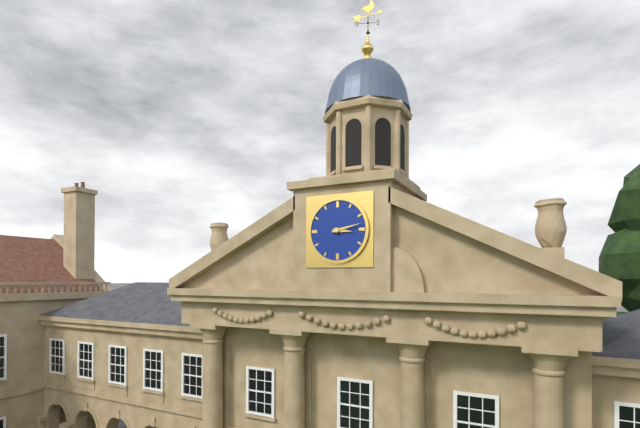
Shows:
3:13
